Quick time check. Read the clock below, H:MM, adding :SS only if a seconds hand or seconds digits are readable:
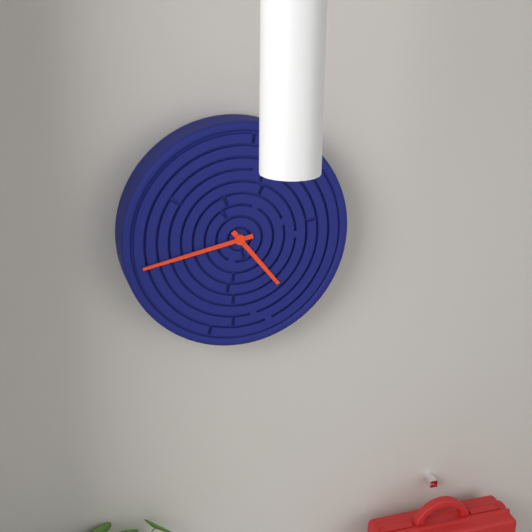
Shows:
4:43
